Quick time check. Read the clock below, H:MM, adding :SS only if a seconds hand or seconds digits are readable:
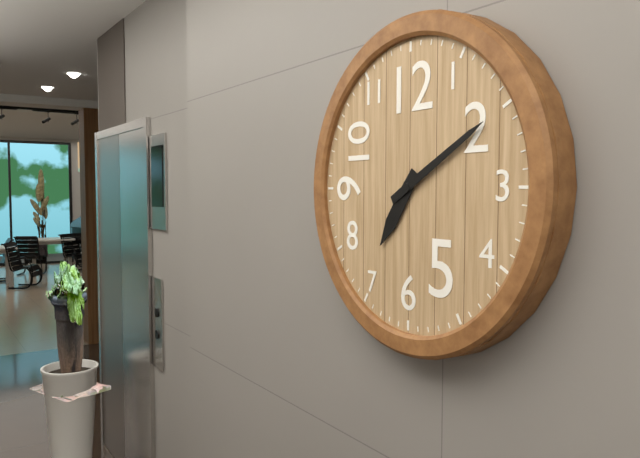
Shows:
7:10
